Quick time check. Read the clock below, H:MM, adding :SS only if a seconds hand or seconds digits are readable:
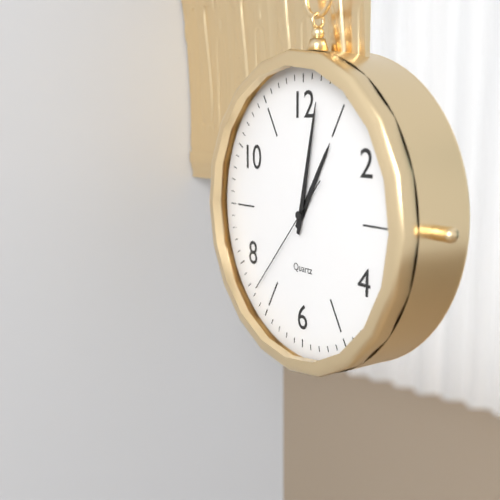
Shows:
1:02:37
